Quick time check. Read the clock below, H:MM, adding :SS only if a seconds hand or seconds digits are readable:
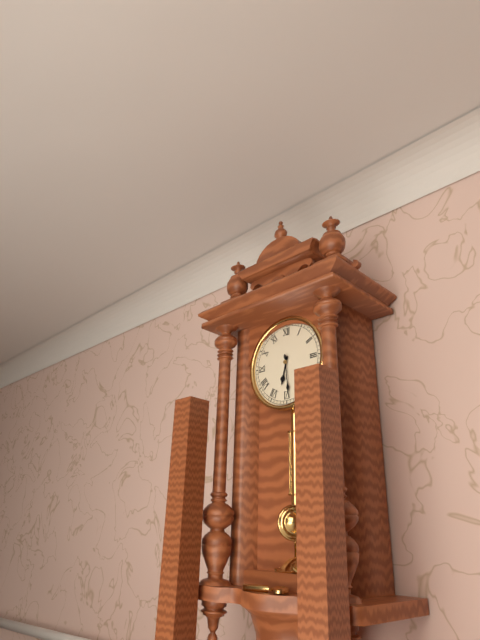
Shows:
6:29
